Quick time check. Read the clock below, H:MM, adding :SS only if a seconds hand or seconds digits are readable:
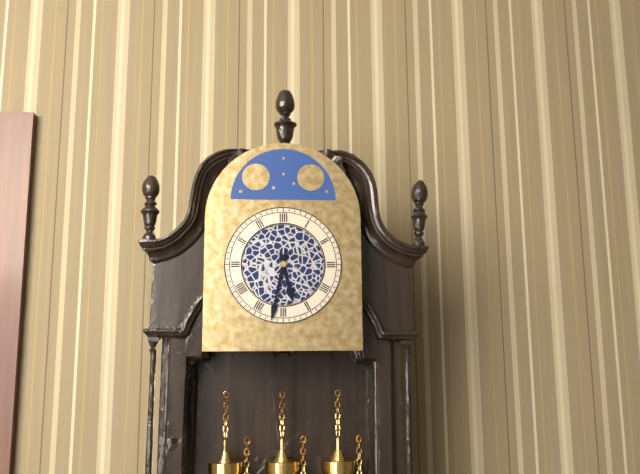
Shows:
5:32
